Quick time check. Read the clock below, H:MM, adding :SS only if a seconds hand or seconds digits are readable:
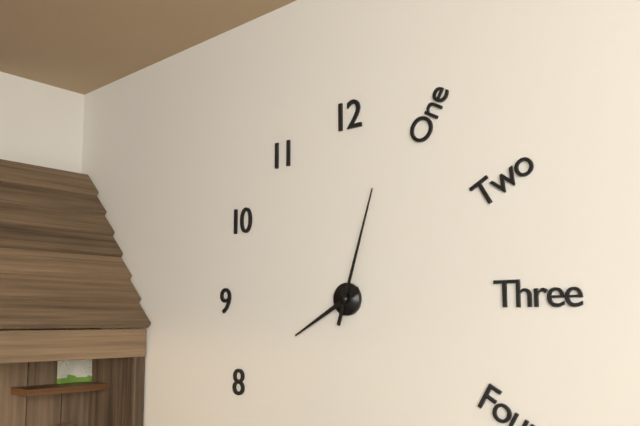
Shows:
8:03
